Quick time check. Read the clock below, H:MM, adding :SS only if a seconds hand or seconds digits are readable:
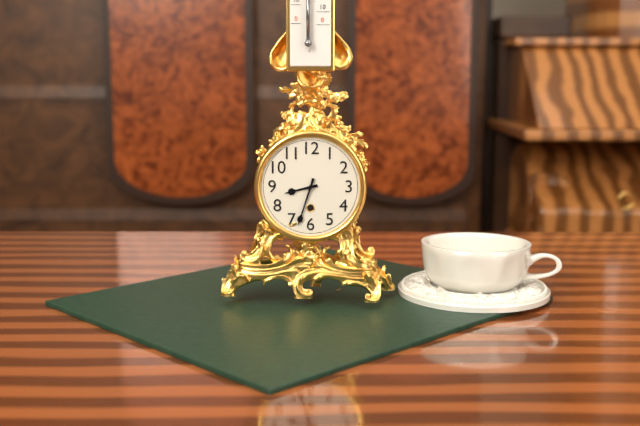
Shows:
8:33
